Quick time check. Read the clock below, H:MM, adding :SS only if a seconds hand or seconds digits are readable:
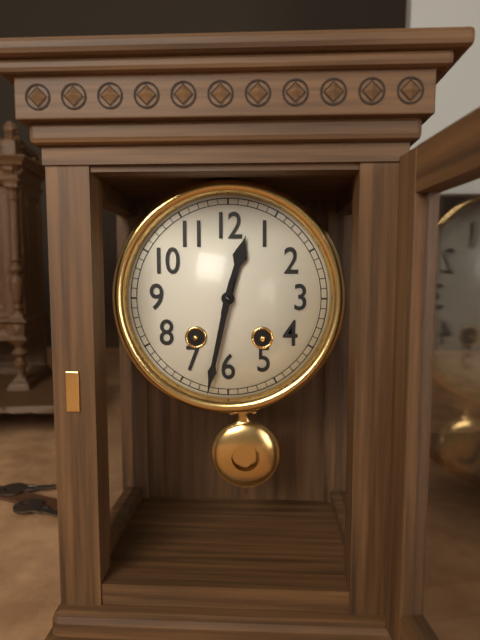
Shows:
12:32
